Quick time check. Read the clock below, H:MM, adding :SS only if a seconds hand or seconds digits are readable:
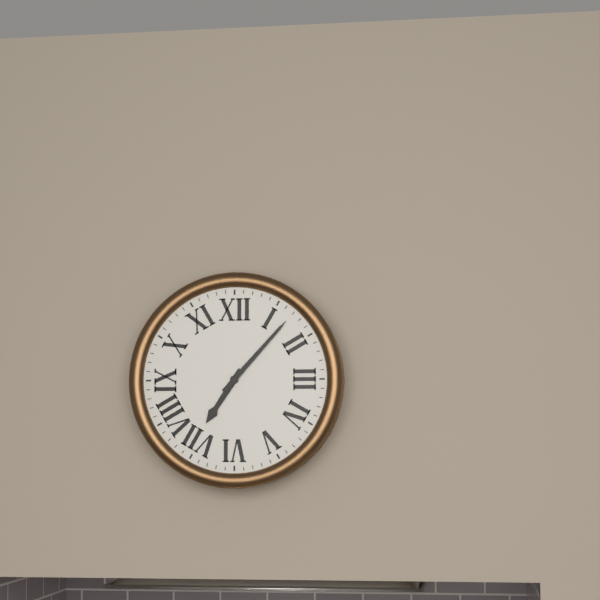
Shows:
7:07
